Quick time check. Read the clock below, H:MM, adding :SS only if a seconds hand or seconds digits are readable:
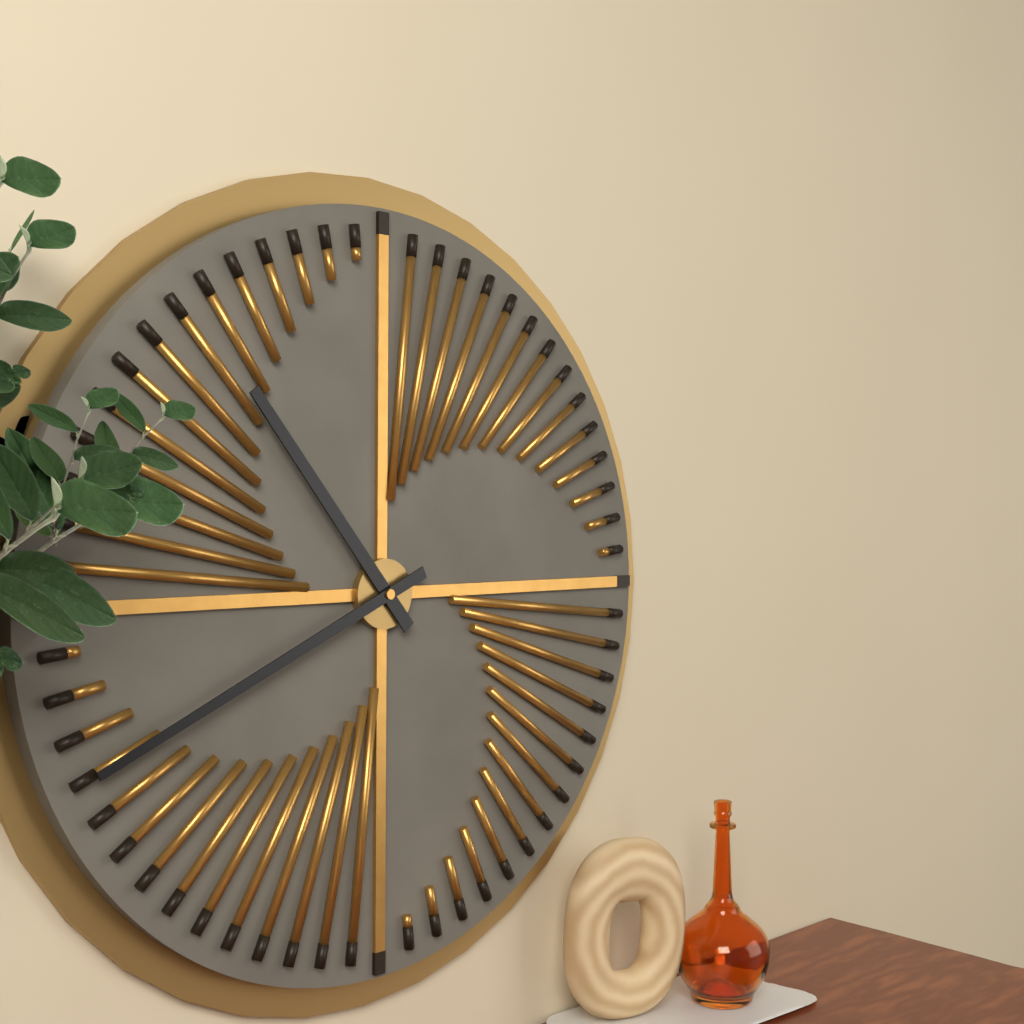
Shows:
10:41
